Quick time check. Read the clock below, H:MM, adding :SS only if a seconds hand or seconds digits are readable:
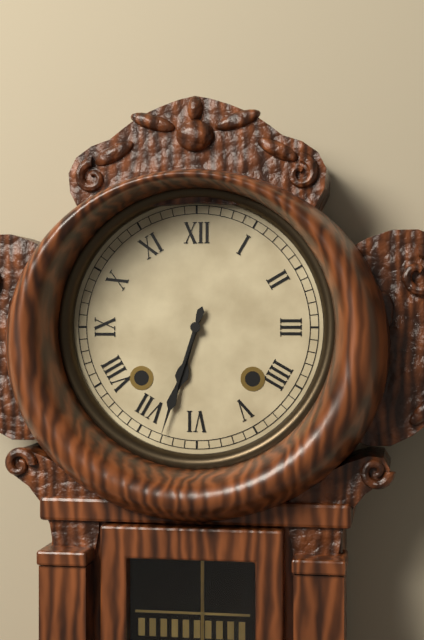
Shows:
6:33
